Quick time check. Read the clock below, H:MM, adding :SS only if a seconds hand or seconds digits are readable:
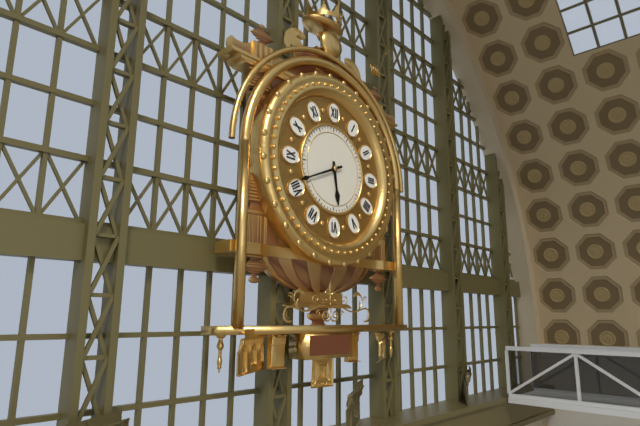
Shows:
5:41
